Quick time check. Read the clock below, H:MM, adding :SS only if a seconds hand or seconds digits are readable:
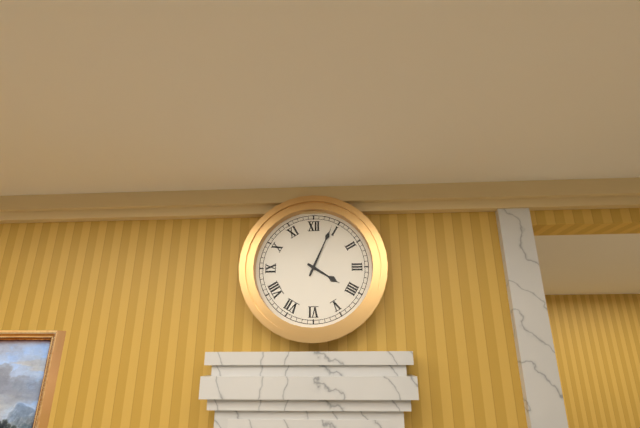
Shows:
4:04
